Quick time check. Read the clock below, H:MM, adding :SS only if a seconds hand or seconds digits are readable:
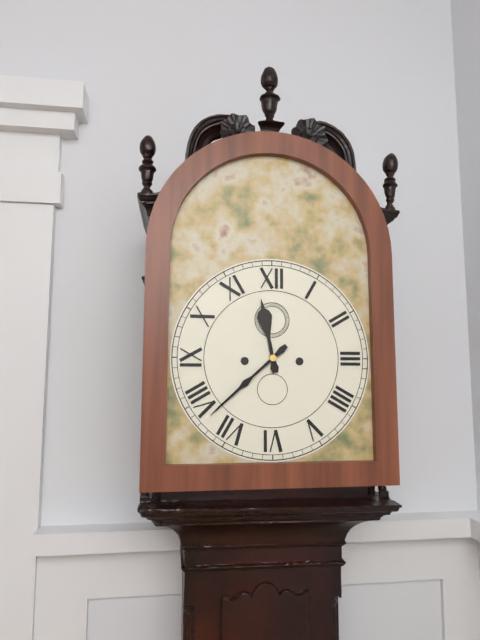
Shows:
11:38
